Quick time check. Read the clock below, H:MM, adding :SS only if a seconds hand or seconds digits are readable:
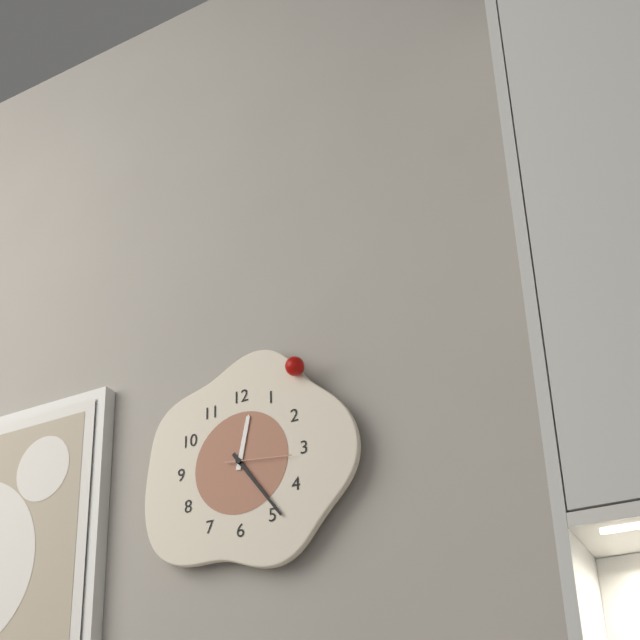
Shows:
12:24:16
